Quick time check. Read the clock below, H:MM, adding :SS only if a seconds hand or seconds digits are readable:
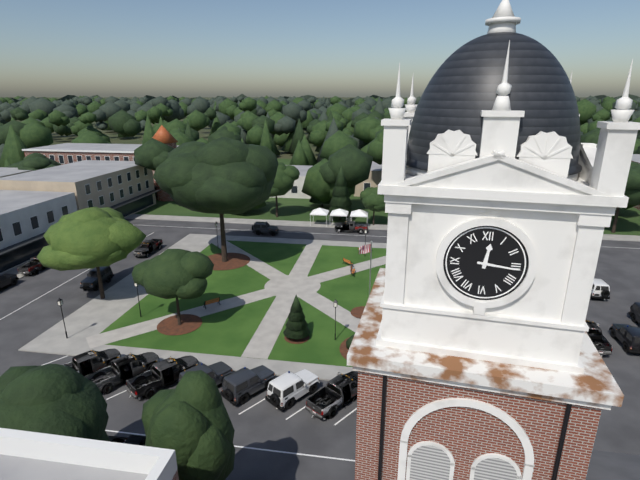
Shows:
12:16
